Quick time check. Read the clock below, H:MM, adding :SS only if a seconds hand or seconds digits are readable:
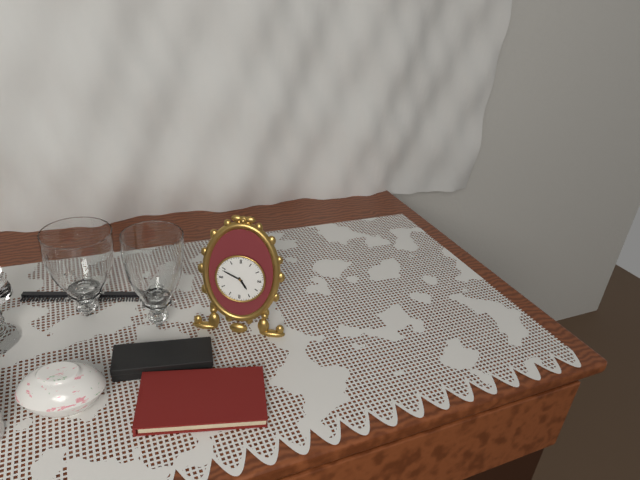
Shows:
4:49
